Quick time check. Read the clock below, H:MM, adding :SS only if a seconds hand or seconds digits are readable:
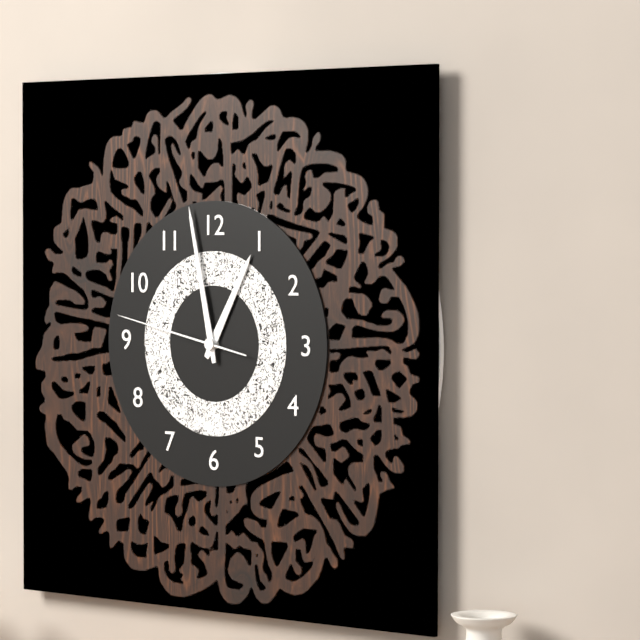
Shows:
12:58:47
